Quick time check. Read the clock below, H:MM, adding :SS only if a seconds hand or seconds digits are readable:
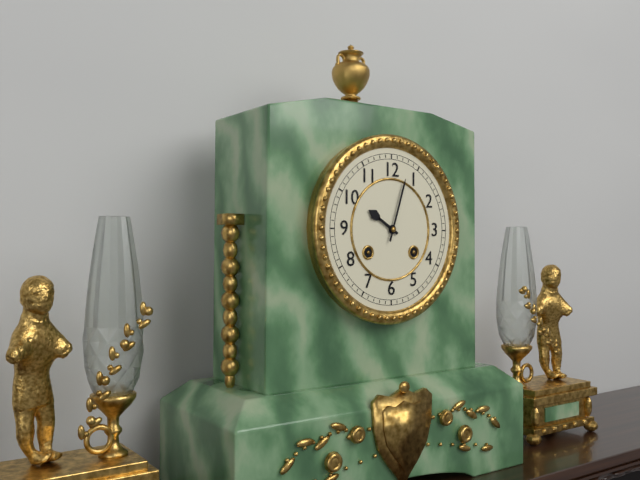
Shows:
10:03
